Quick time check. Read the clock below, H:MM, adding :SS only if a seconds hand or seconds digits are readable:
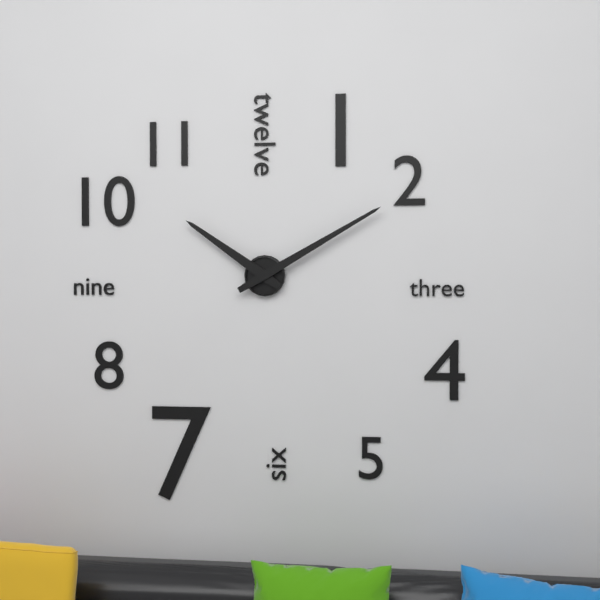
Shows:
10:10
